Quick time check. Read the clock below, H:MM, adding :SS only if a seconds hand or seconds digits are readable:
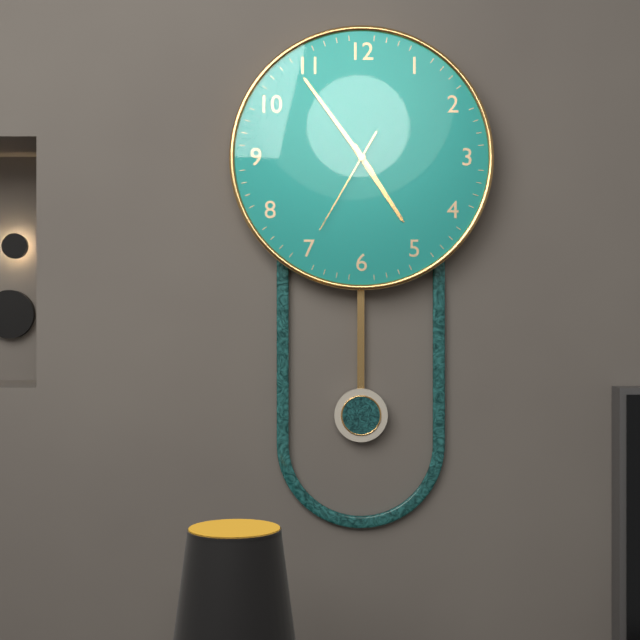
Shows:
4:54:35
